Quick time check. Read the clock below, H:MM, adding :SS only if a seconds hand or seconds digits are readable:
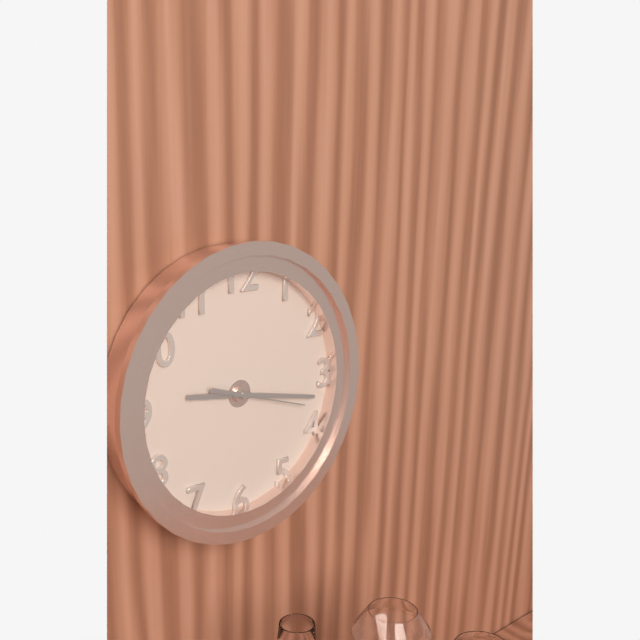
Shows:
9:17:18
